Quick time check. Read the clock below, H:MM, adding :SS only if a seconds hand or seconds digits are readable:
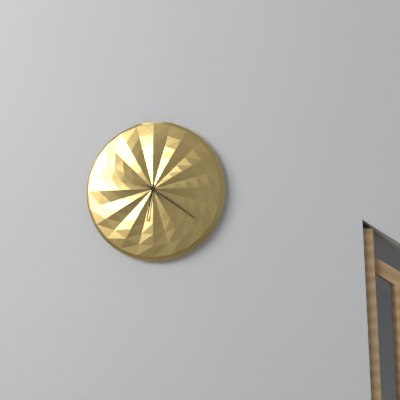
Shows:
6:21
